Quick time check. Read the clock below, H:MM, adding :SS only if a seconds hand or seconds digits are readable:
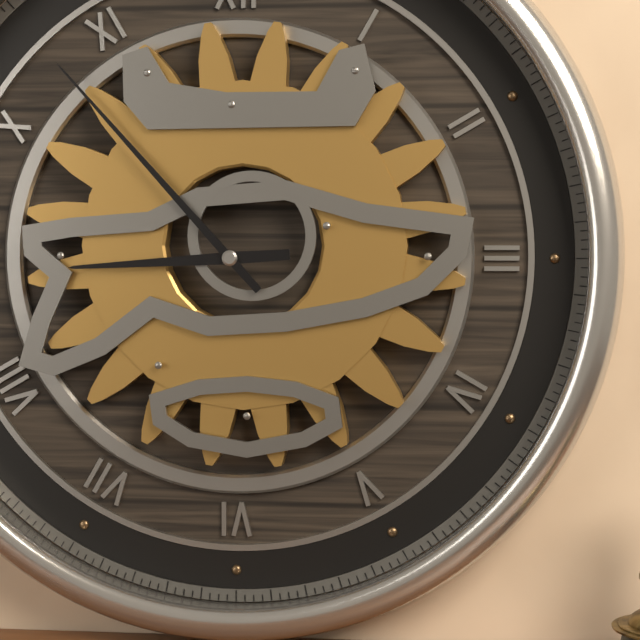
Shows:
8:53
